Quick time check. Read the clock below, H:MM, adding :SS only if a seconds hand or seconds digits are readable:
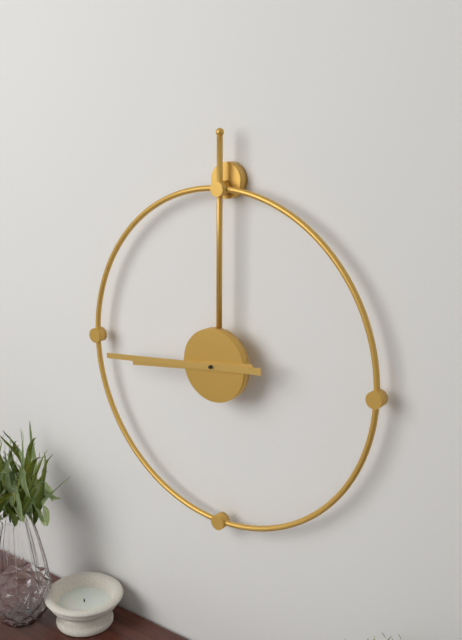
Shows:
8:44
